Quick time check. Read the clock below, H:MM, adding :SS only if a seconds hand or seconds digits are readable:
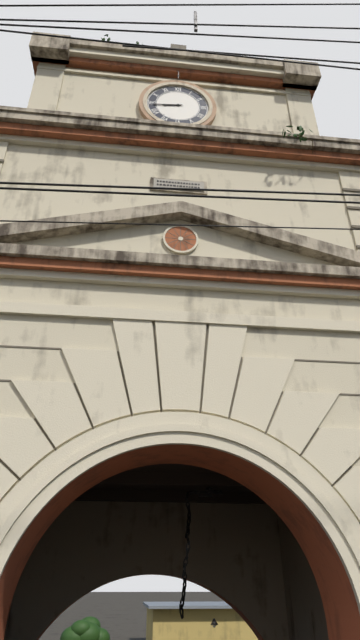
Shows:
8:44
